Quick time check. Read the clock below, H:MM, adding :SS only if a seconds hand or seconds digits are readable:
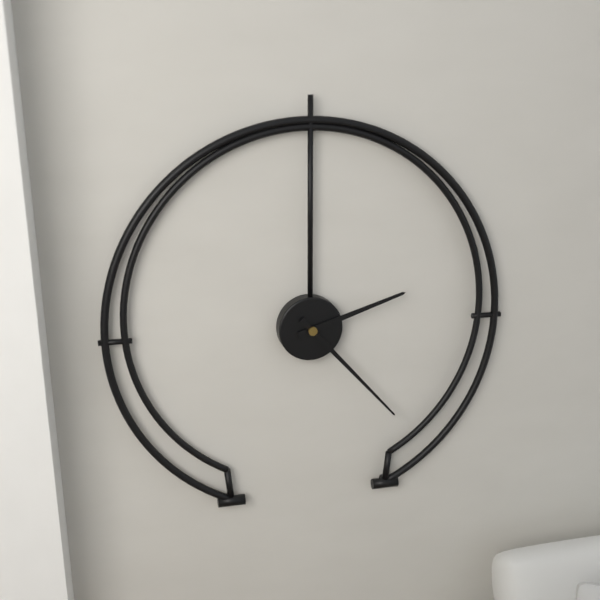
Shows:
2:23
